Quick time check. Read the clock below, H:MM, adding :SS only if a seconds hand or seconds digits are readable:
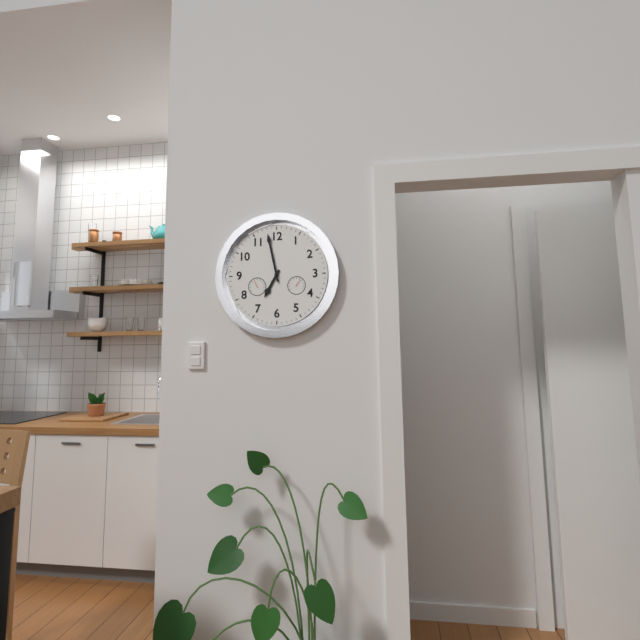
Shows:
6:58
